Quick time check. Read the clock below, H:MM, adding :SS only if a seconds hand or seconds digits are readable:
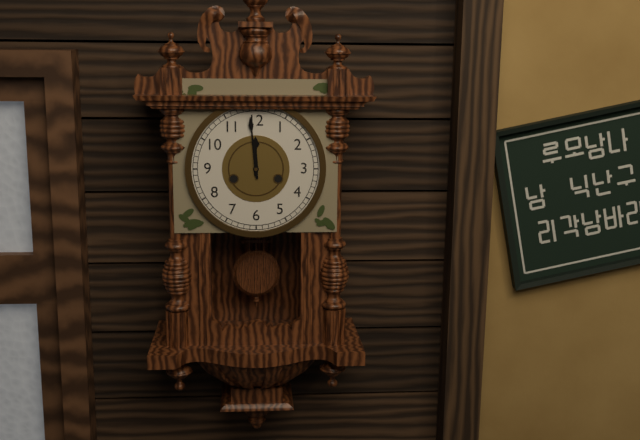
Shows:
11:59
